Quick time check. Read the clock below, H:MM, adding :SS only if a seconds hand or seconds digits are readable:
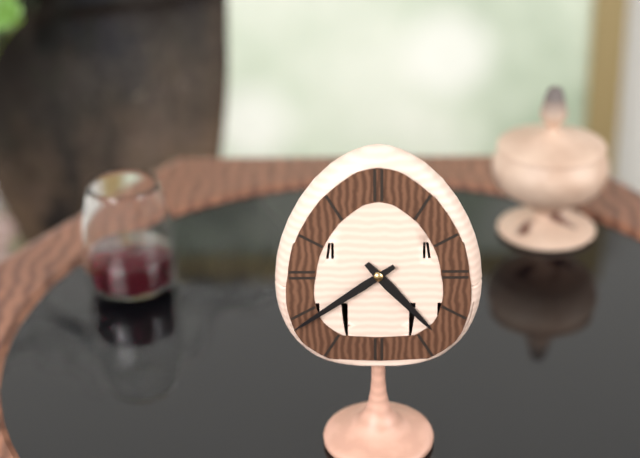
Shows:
4:39
